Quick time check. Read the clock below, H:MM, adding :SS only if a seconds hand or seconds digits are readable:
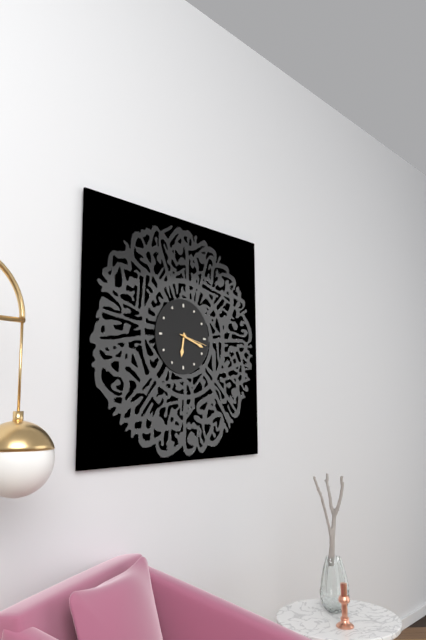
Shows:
6:18
